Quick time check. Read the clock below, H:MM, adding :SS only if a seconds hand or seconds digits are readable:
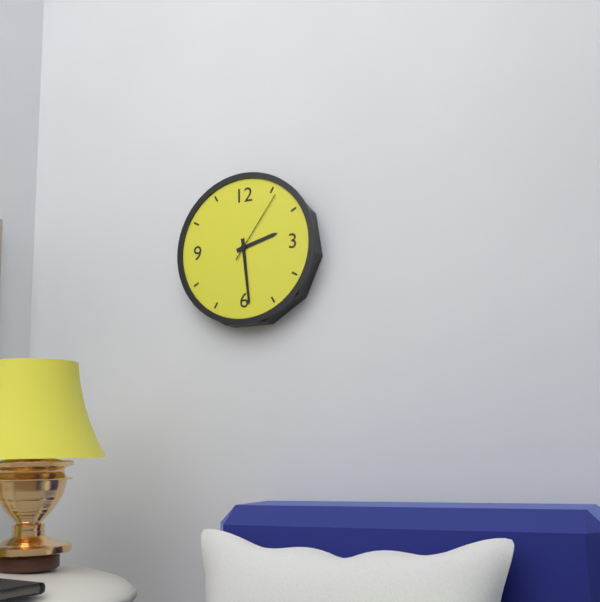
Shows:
2:29:06
